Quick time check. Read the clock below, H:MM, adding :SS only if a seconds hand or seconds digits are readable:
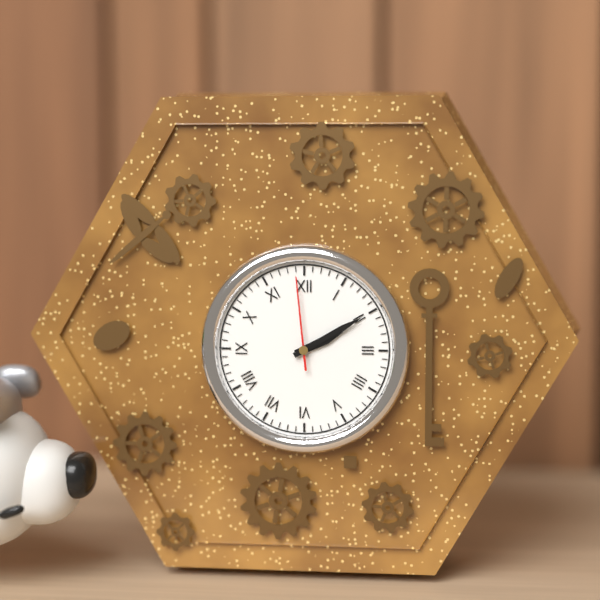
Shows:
2:10:59
